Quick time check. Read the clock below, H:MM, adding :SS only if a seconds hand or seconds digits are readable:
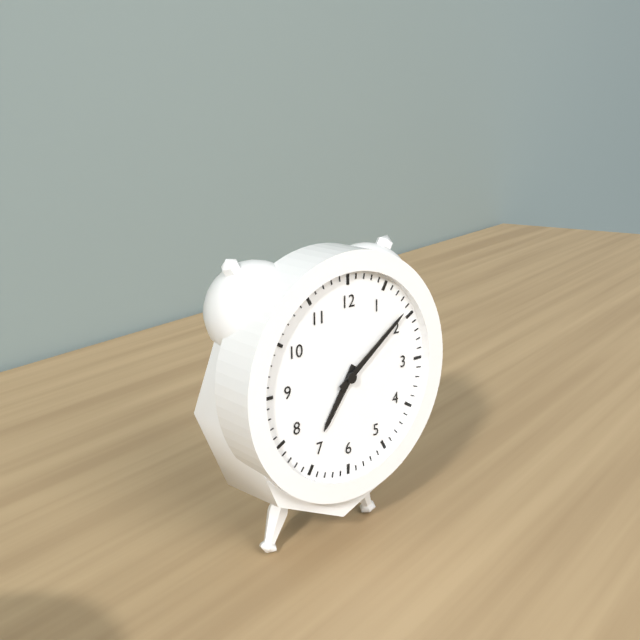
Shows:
7:09
